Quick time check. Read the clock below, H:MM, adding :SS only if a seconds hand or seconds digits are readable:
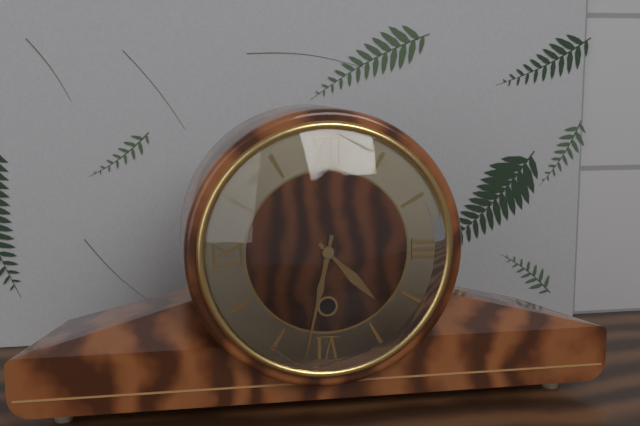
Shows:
4:32
